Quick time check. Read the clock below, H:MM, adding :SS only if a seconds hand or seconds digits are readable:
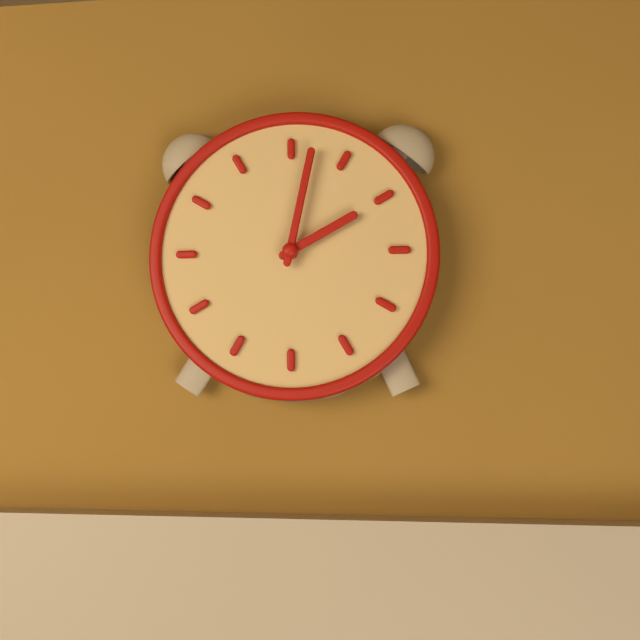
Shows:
2:02
